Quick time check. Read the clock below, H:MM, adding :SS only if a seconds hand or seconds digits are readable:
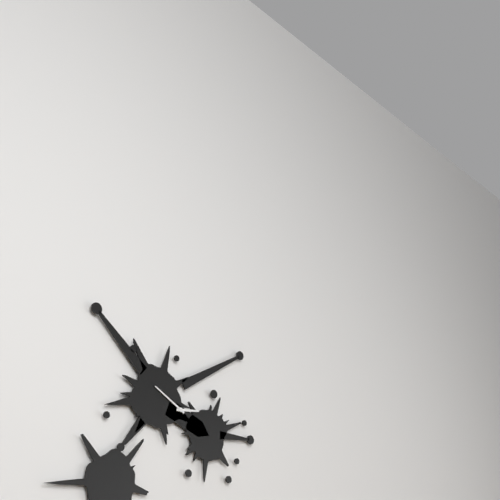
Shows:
2:50
